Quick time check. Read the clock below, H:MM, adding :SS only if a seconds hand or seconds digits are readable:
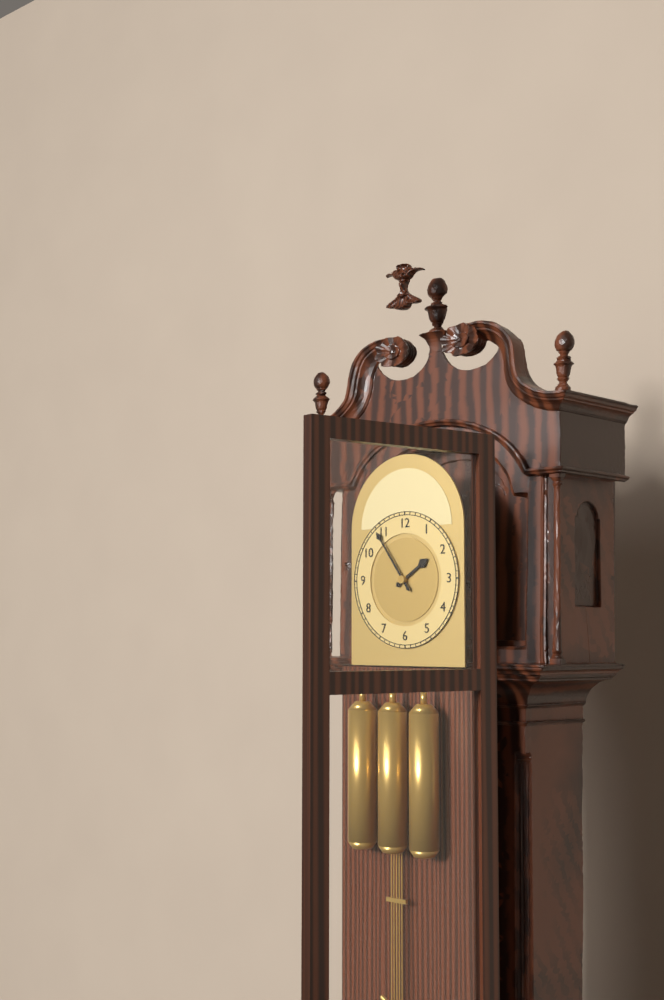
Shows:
1:54
